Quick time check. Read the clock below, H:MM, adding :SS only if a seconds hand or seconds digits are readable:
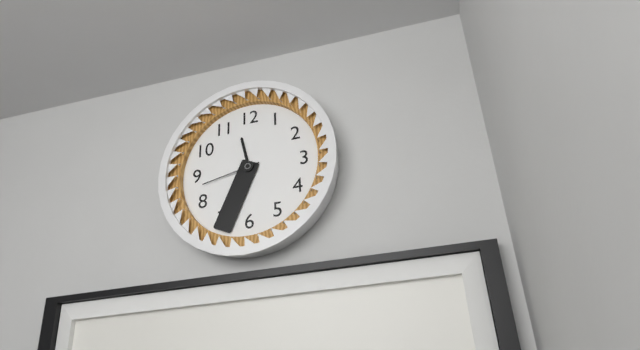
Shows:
11:34:43
